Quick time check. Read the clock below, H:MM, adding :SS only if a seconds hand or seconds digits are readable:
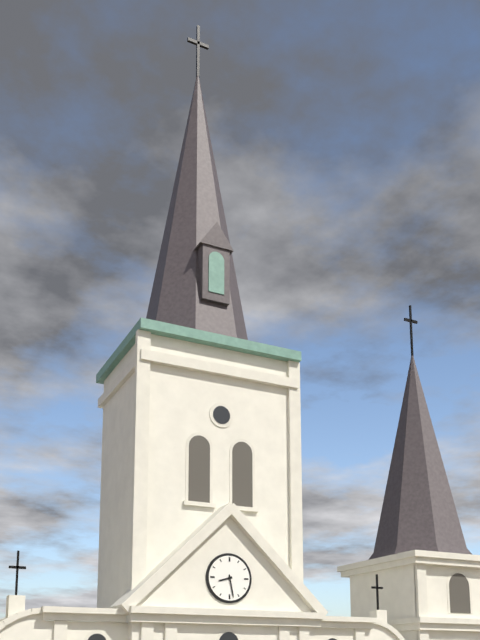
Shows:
8:28
